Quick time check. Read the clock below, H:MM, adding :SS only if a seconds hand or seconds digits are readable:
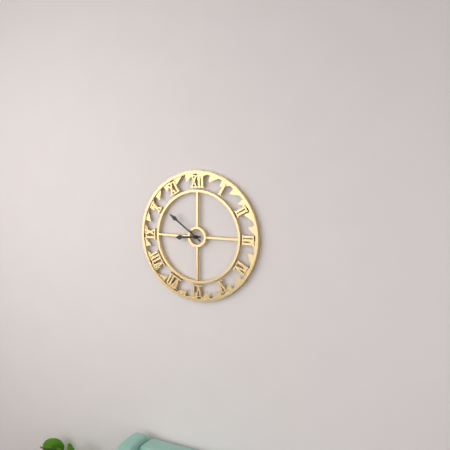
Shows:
8:51
